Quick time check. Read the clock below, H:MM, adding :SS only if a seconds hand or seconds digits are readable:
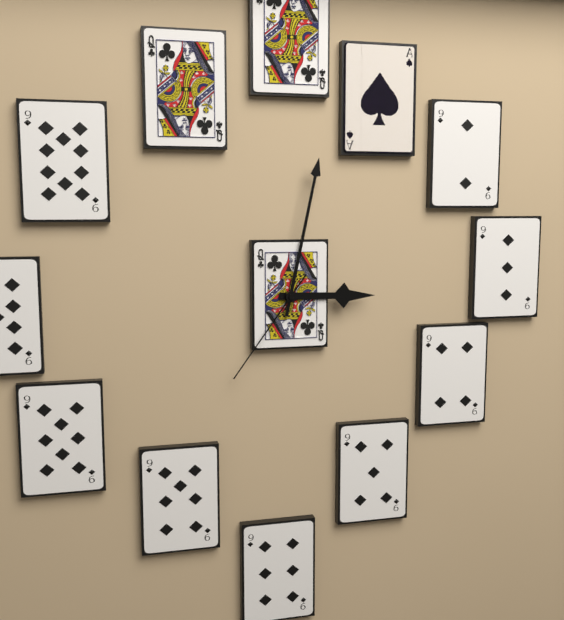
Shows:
3:02:36
